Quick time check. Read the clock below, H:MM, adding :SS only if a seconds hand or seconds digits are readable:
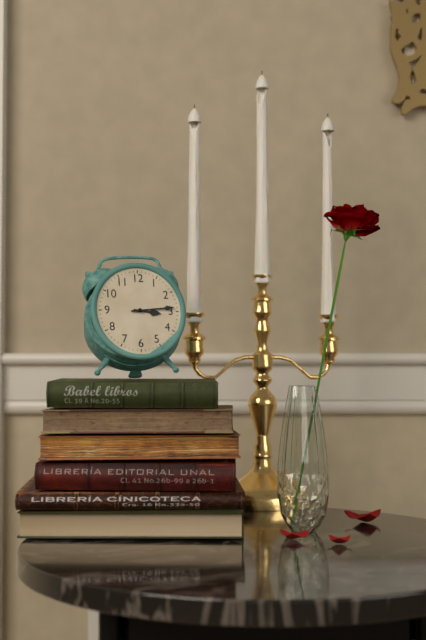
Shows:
3:14
